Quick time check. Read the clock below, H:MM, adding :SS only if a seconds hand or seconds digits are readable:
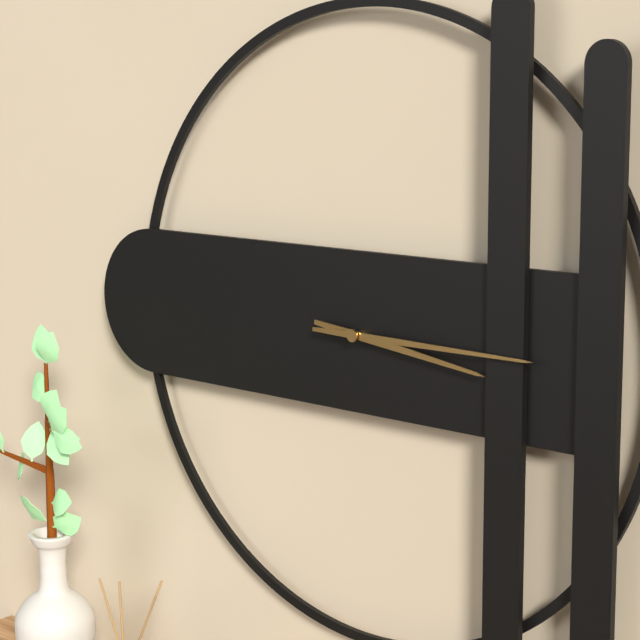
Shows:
3:15
